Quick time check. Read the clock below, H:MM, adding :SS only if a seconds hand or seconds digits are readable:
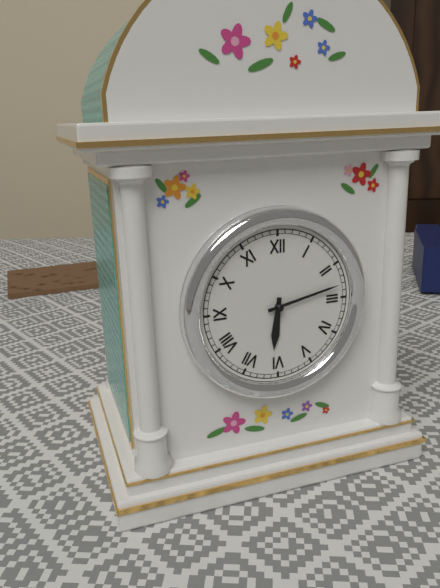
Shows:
6:13
